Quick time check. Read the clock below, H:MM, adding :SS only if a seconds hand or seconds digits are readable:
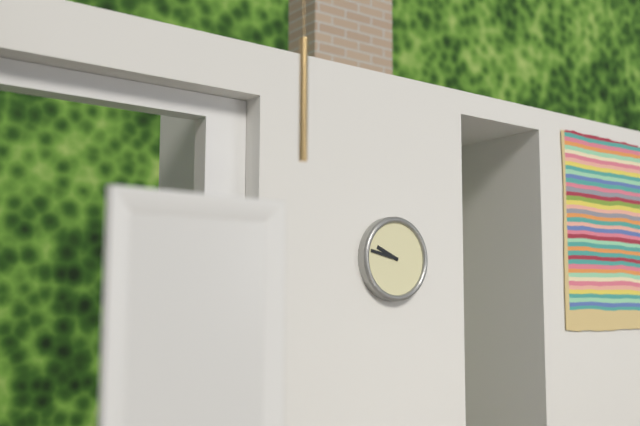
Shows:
9:47
